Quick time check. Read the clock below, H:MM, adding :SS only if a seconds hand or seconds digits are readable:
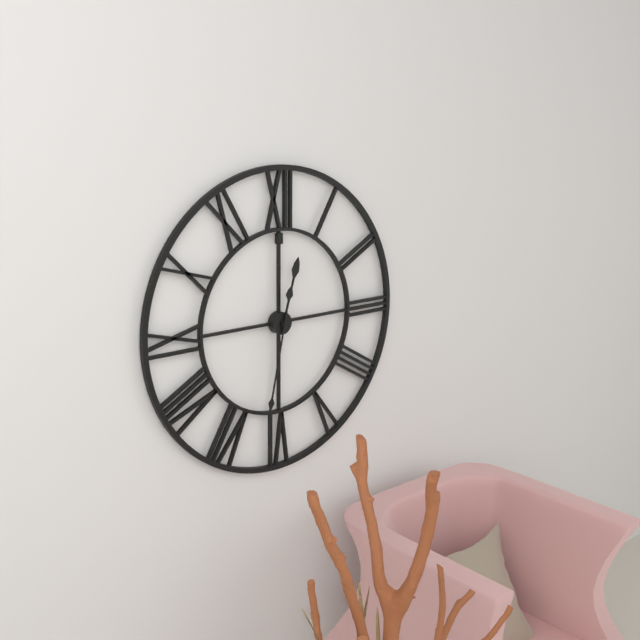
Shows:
12:32
